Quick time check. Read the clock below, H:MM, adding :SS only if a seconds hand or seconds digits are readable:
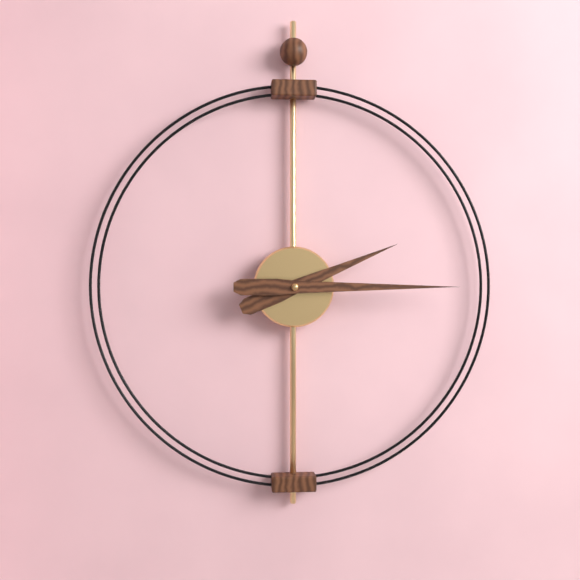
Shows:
2:15
